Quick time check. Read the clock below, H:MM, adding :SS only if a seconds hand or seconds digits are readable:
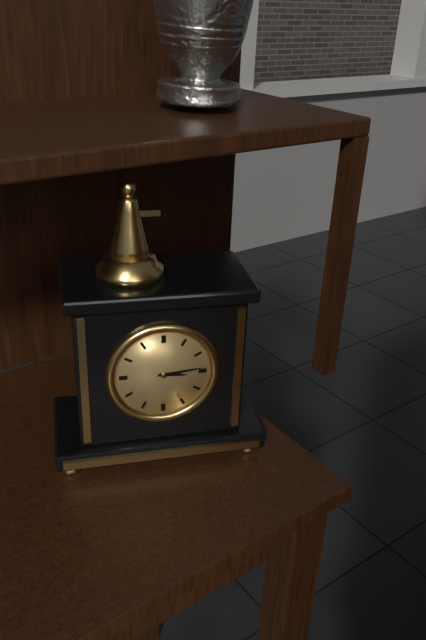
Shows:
3:14
